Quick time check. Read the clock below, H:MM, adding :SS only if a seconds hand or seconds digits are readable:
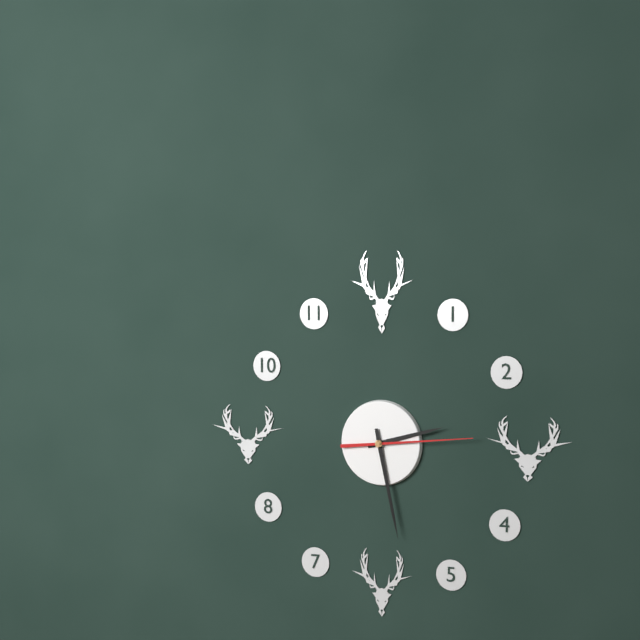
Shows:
2:28:14
